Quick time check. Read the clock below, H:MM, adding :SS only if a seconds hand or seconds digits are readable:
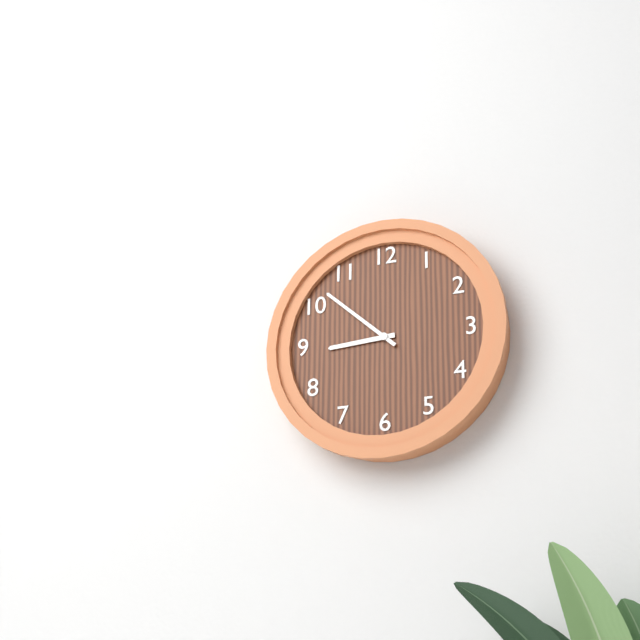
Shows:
8:52
